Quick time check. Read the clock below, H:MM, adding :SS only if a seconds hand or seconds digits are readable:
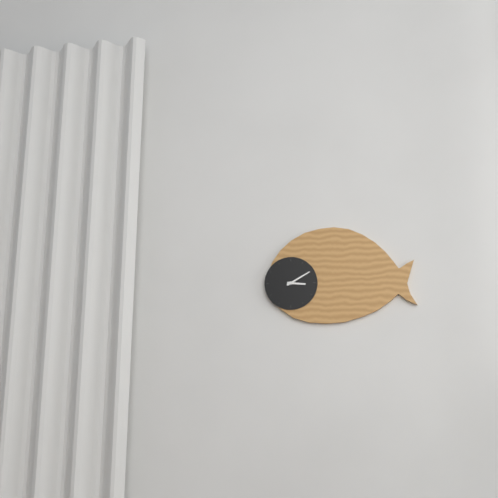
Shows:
3:10
